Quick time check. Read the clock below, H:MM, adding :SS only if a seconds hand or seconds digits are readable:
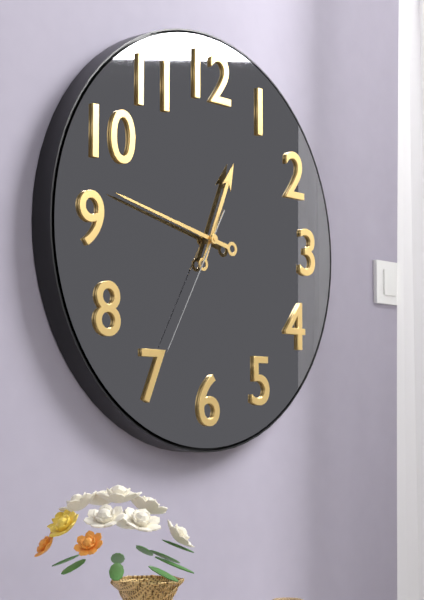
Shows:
12:47:35
